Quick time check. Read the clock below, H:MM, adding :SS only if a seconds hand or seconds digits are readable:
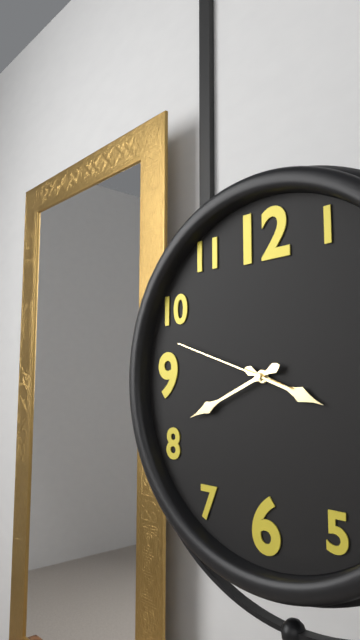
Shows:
3:41:48
